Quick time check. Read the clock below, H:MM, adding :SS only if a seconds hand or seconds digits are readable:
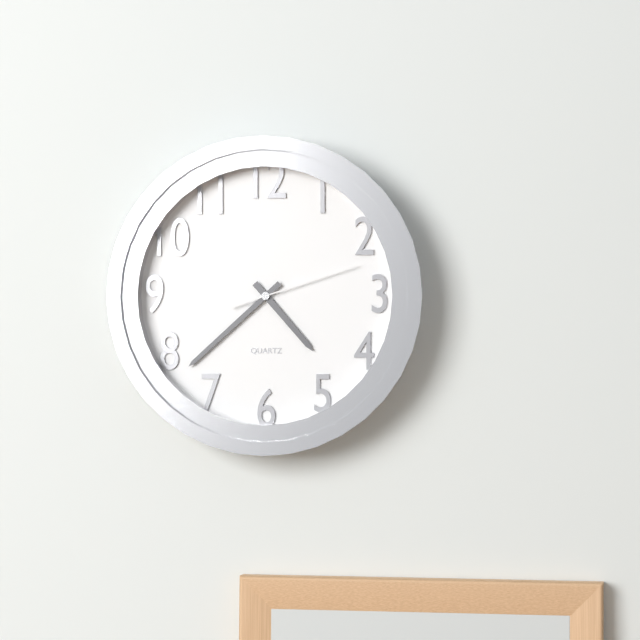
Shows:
4:38:12
